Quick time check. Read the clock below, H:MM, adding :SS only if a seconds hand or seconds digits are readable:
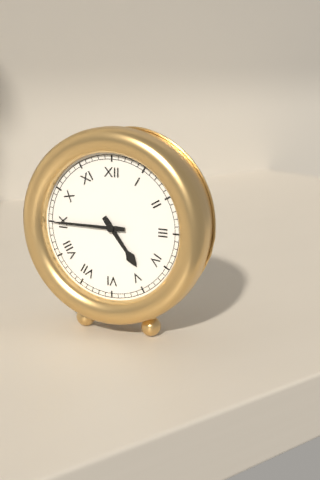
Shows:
4:45
